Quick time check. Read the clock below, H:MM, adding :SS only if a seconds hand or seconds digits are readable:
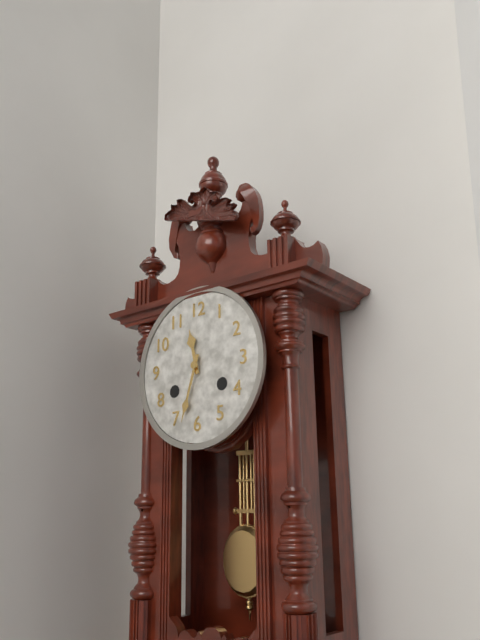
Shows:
11:33
